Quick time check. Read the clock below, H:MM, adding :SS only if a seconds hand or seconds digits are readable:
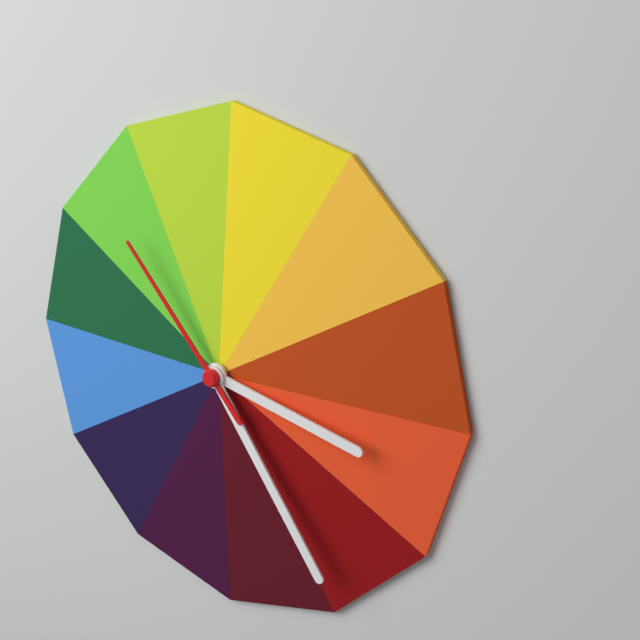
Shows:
3:24:53
